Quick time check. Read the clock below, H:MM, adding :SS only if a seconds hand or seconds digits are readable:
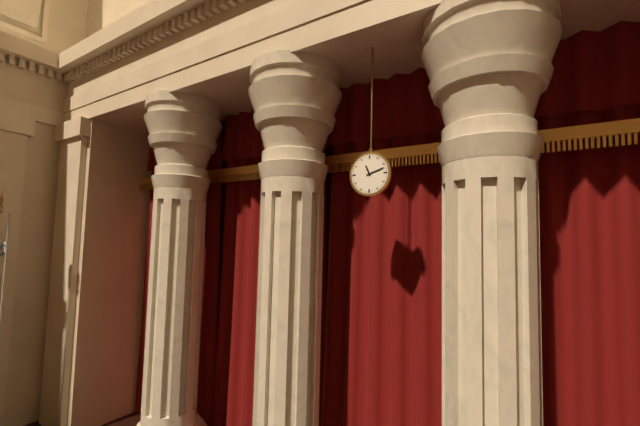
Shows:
11:12
